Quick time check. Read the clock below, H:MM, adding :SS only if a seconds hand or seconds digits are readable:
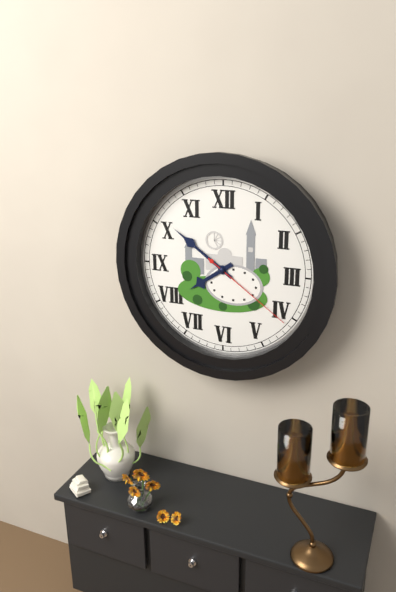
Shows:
7:51:21
